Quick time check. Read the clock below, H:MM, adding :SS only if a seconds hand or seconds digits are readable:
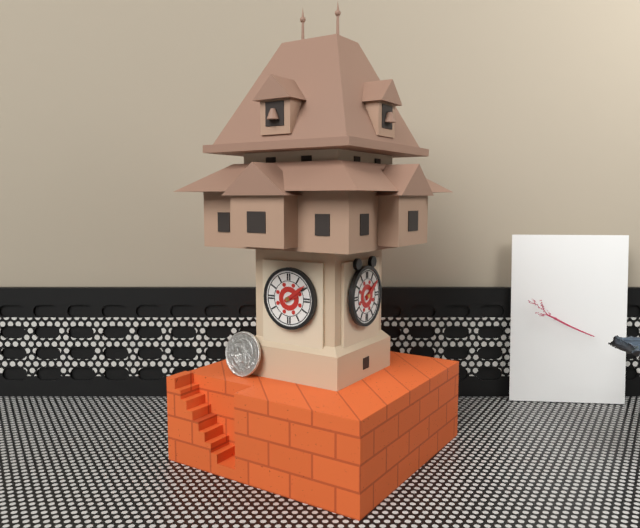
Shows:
2:09
